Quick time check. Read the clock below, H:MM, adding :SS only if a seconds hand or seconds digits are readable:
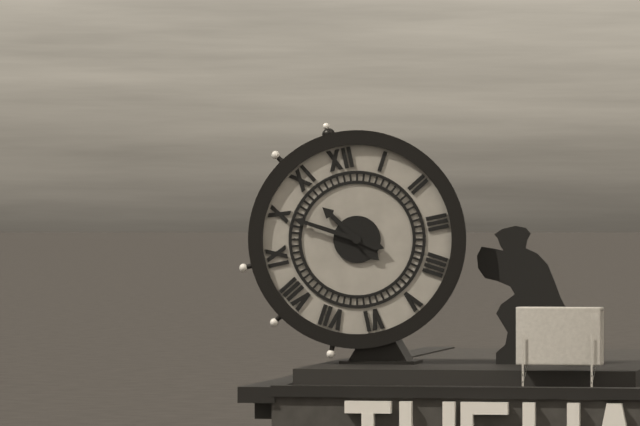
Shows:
10:50
